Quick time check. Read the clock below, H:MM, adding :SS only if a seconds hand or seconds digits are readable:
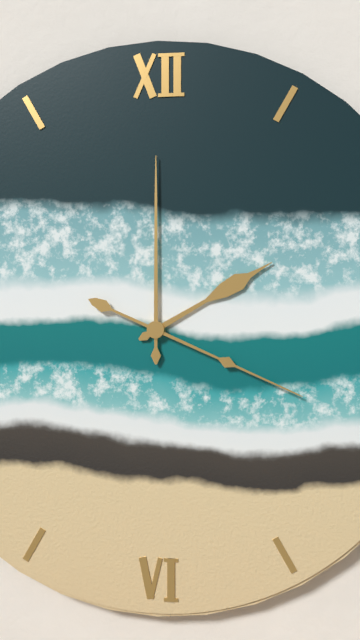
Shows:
2:00:19
